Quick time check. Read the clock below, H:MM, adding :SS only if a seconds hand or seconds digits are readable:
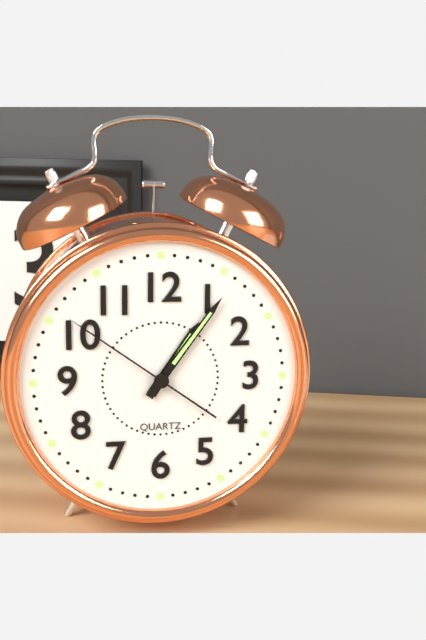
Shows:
1:06:51
